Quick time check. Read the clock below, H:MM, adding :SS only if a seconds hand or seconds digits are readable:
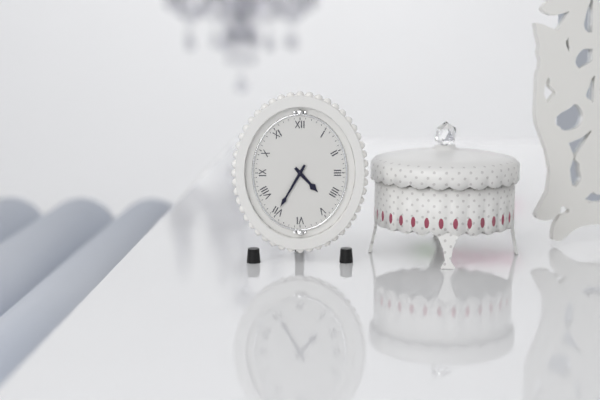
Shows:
4:35
